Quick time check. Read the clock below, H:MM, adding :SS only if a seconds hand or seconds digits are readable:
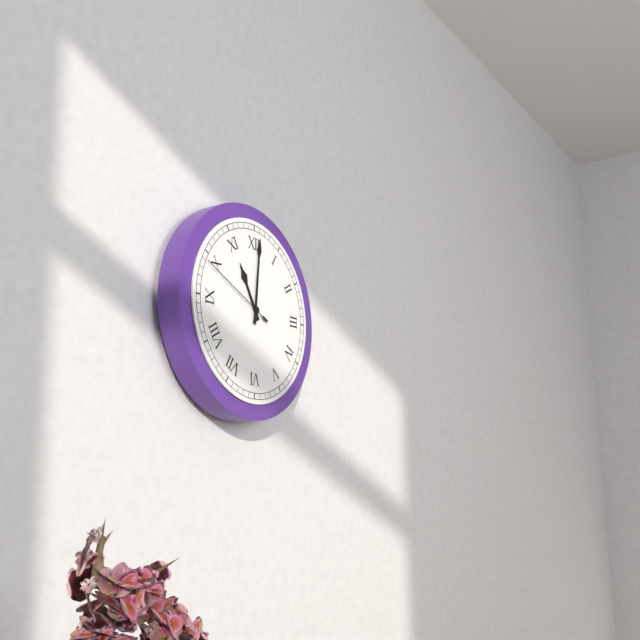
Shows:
11:01:49
